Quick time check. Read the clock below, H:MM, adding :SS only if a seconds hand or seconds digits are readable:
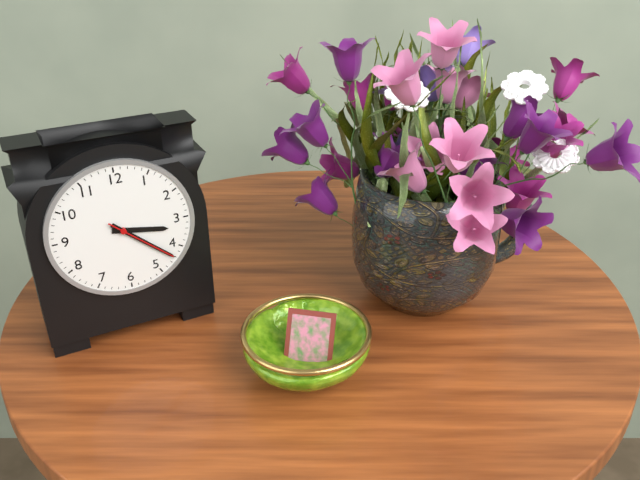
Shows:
3:22:22
